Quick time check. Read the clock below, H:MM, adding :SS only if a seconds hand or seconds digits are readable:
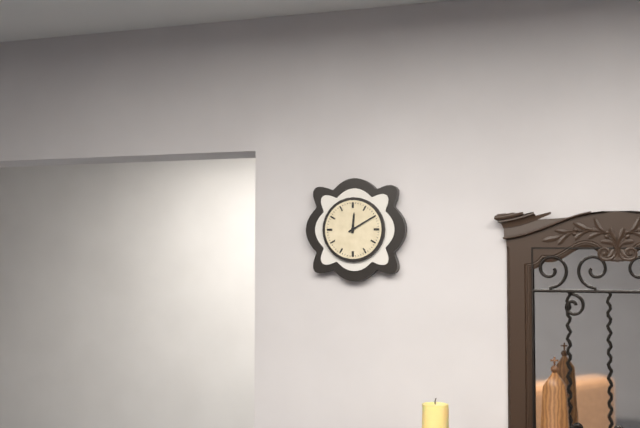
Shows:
12:10
